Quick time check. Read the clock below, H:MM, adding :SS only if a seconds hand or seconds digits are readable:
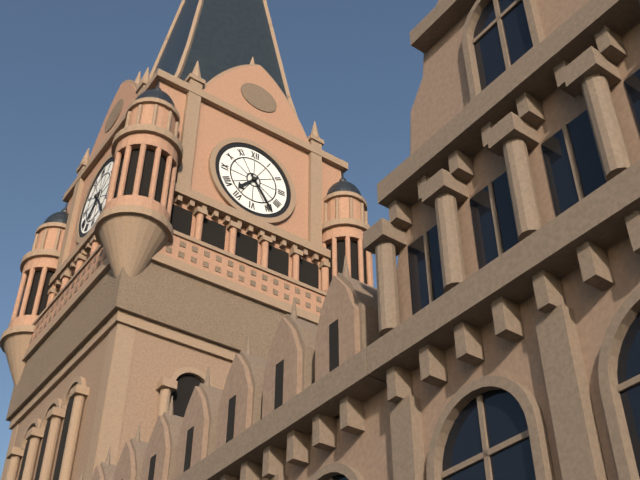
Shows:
7:24
